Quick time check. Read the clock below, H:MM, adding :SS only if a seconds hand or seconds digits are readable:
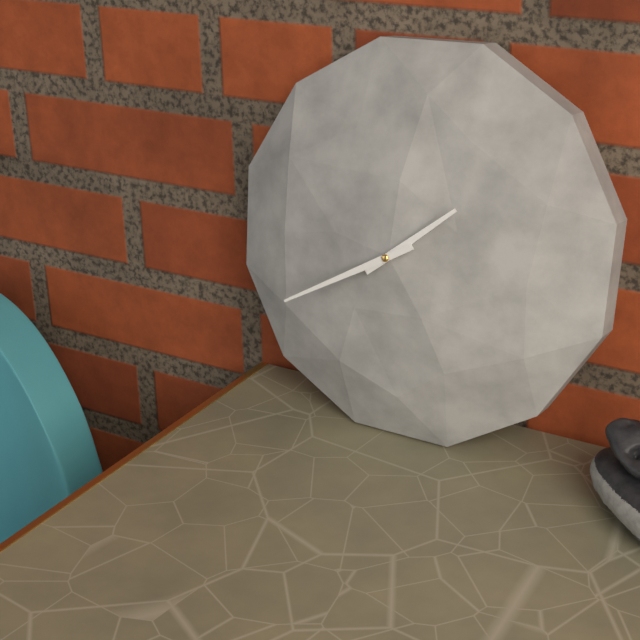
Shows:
1:40
